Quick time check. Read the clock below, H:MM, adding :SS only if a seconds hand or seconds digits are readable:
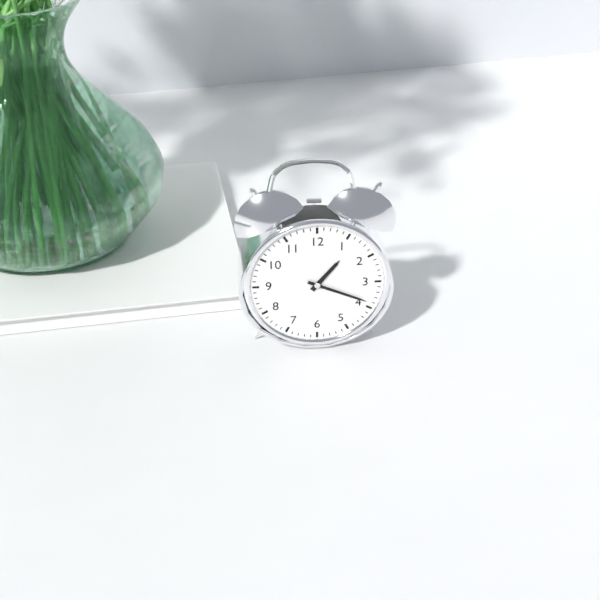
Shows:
1:19
